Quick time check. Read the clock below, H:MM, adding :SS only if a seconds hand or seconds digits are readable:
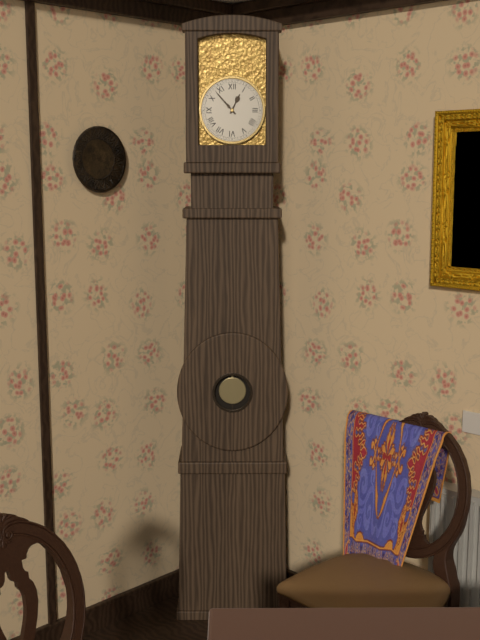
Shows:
12:53
